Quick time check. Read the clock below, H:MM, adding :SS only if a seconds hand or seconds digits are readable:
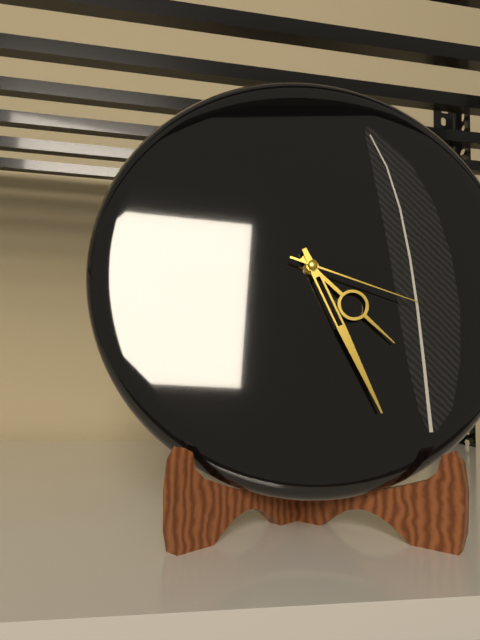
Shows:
4:26:18
